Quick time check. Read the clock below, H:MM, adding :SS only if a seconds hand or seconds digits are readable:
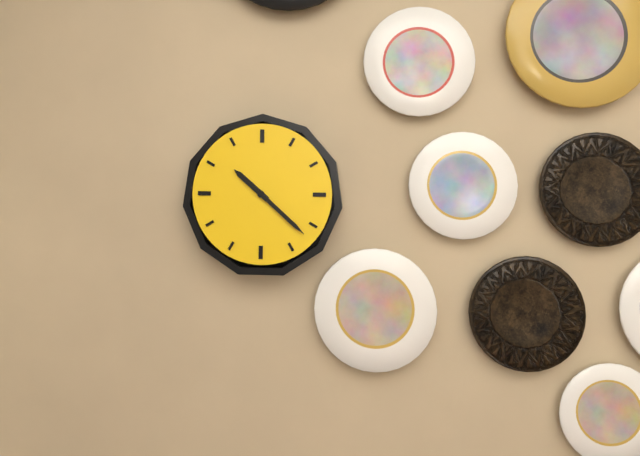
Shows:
10:22
